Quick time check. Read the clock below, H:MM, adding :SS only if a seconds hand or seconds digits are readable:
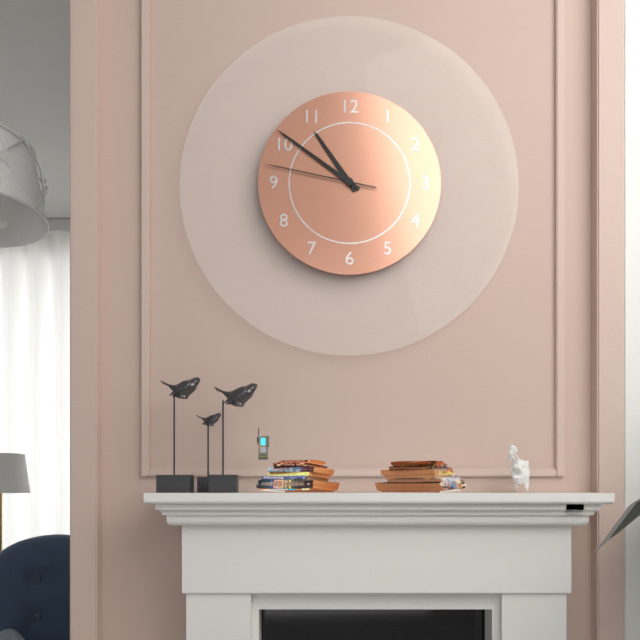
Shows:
10:51:47
